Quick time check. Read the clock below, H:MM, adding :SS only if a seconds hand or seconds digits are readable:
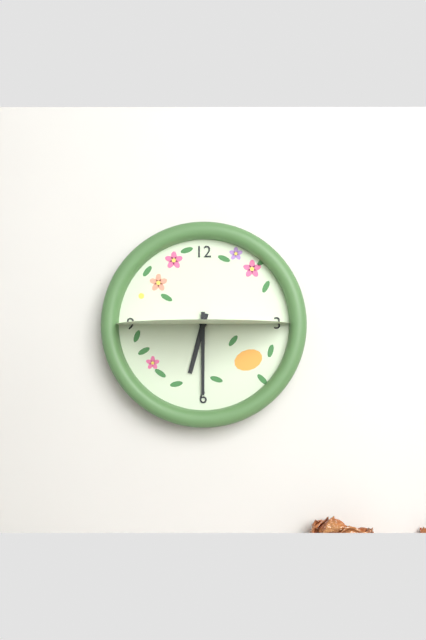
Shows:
6:30
